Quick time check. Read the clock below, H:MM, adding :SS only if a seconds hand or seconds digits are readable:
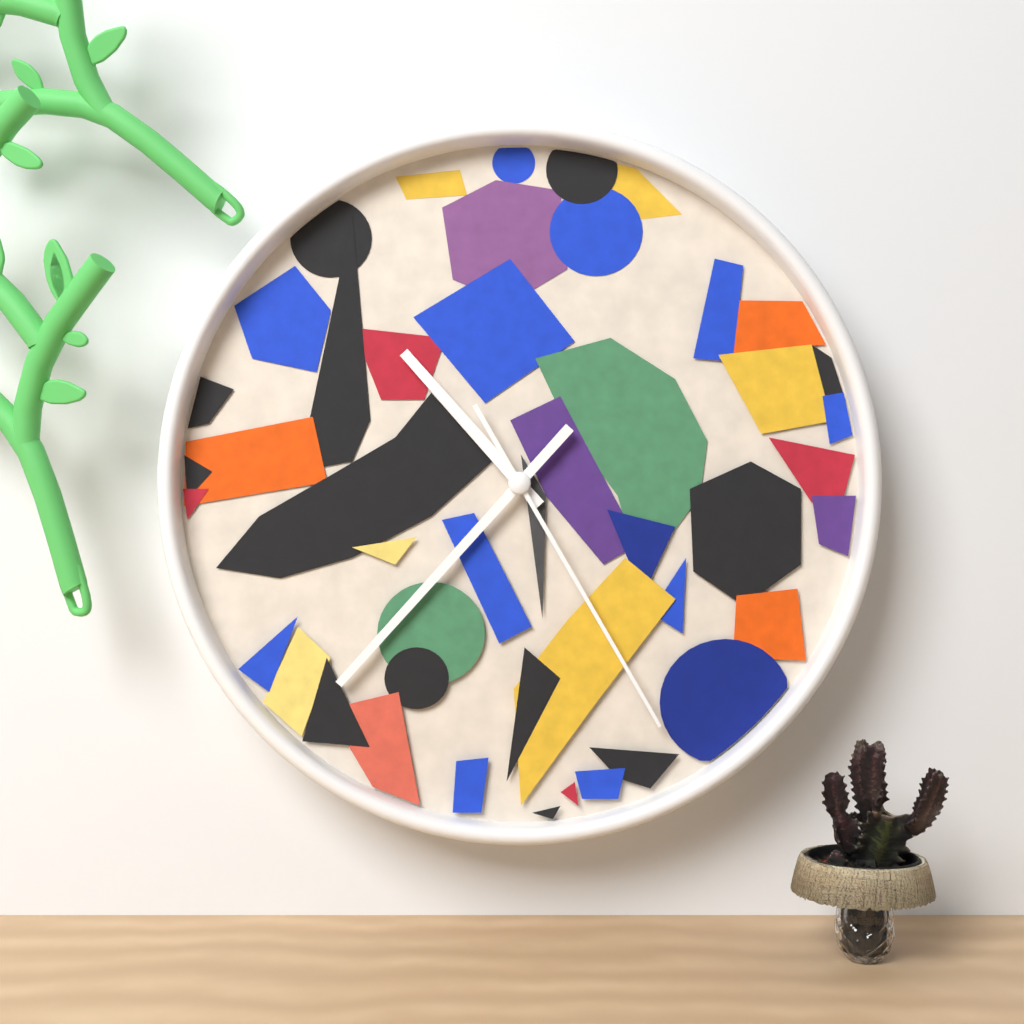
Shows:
10:37:25
